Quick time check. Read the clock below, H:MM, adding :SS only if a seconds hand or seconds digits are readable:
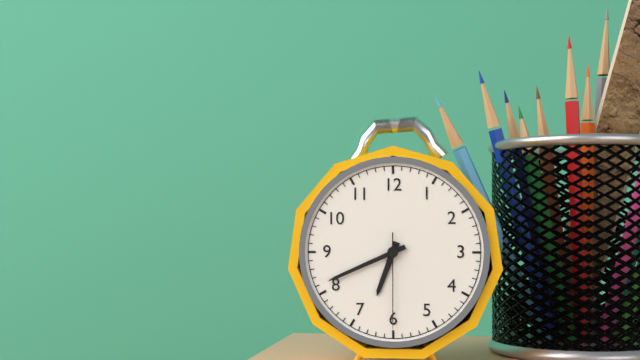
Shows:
6:41:30
